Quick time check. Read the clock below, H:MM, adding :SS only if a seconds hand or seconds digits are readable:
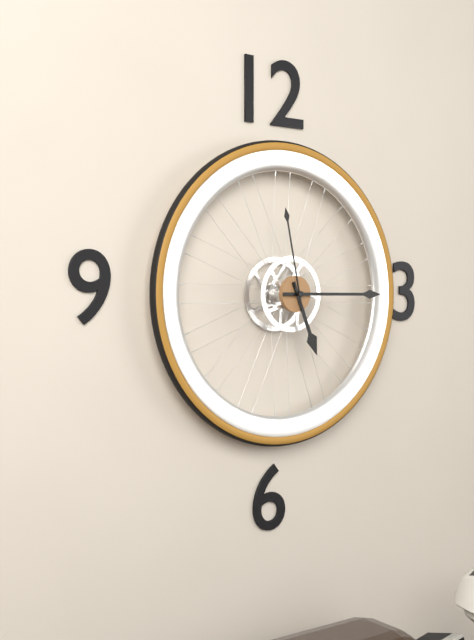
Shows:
5:15:58
